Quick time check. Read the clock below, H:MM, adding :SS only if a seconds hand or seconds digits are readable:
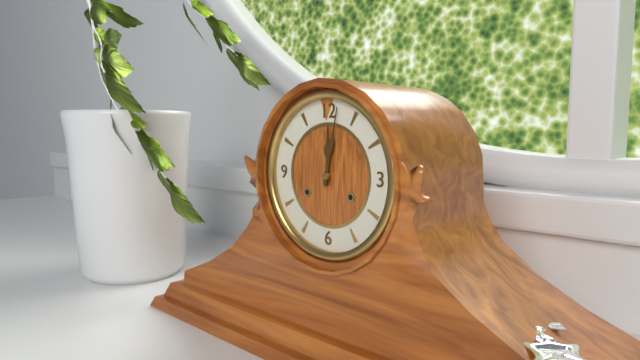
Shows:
12:02
